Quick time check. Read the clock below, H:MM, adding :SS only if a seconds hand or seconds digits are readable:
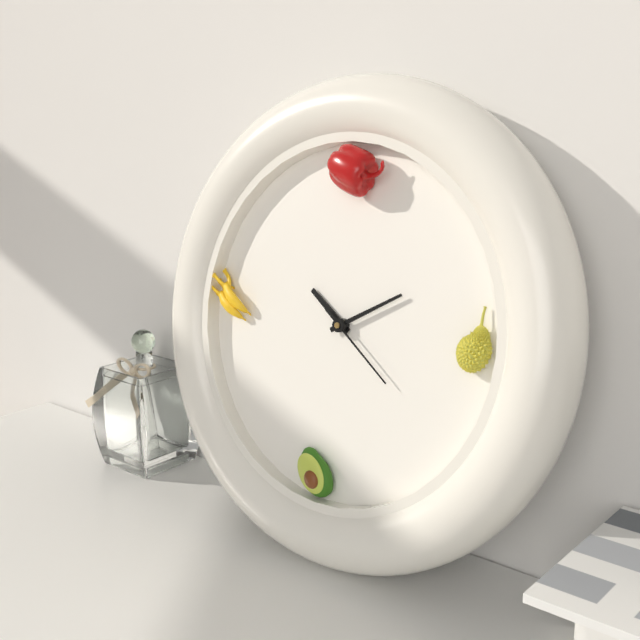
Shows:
10:10:21
